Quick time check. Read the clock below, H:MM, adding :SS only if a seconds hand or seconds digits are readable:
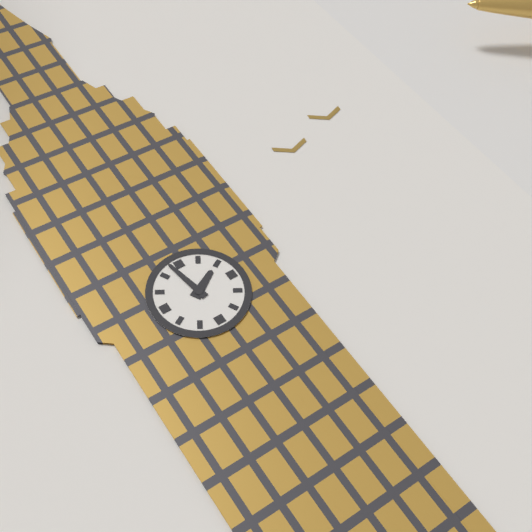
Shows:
1:58
